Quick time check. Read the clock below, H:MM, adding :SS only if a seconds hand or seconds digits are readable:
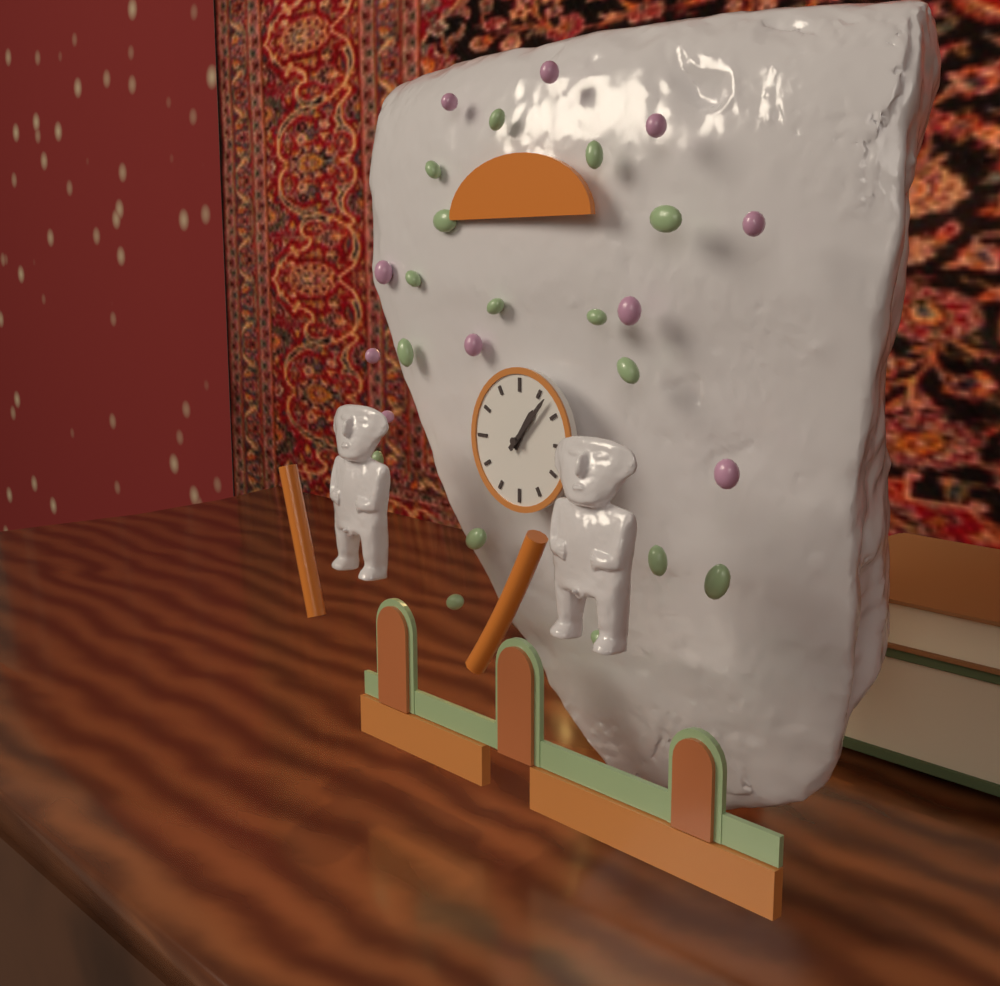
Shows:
1:07
